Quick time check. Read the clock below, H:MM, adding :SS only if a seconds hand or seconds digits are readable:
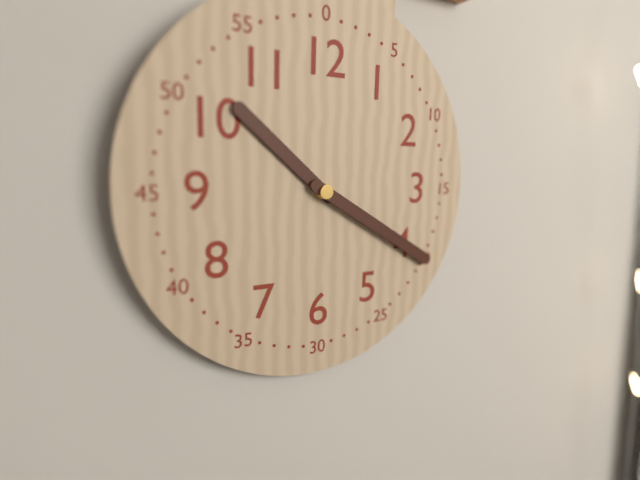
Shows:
10:20
